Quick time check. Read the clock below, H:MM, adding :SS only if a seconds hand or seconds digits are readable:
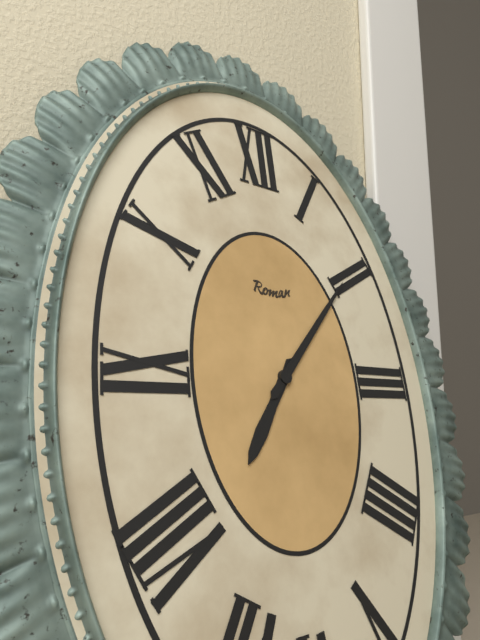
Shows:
7:07
